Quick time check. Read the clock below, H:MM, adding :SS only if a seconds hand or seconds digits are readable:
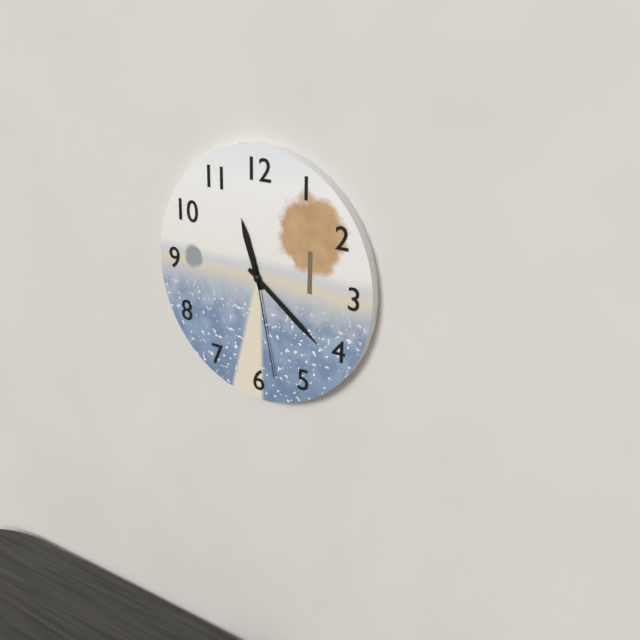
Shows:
11:21:28
